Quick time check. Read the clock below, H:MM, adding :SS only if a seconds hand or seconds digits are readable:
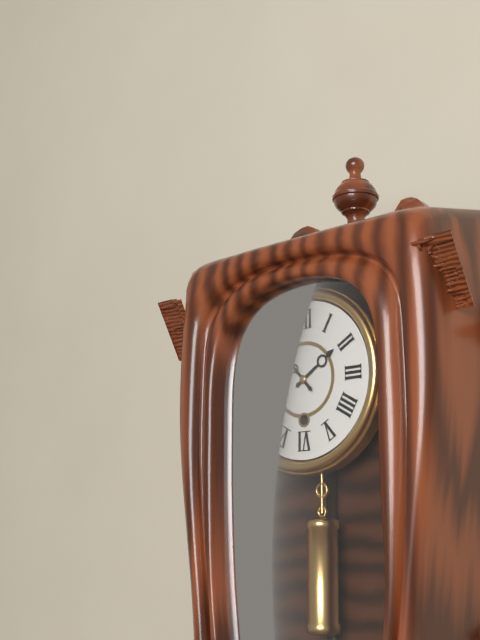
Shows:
1:53
